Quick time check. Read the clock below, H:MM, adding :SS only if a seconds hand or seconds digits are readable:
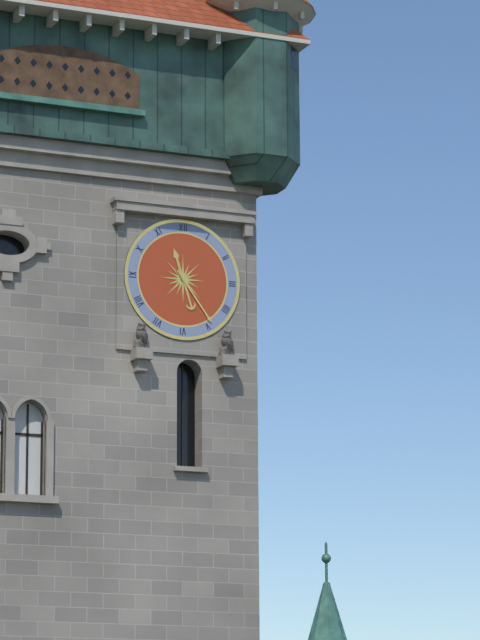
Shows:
11:24
